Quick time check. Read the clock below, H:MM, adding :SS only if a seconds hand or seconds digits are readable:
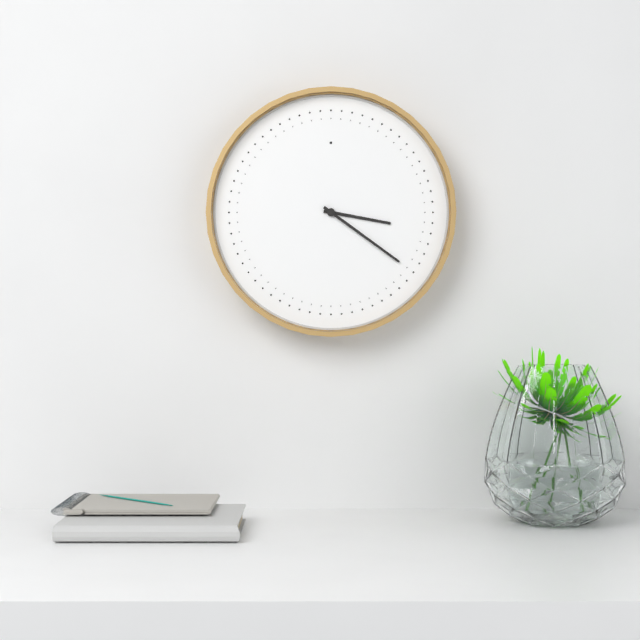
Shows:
3:21
